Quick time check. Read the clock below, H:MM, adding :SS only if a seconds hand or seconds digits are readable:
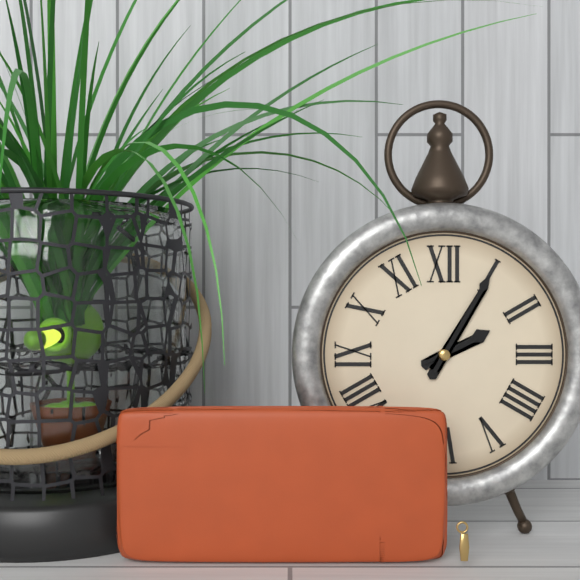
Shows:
2:05
